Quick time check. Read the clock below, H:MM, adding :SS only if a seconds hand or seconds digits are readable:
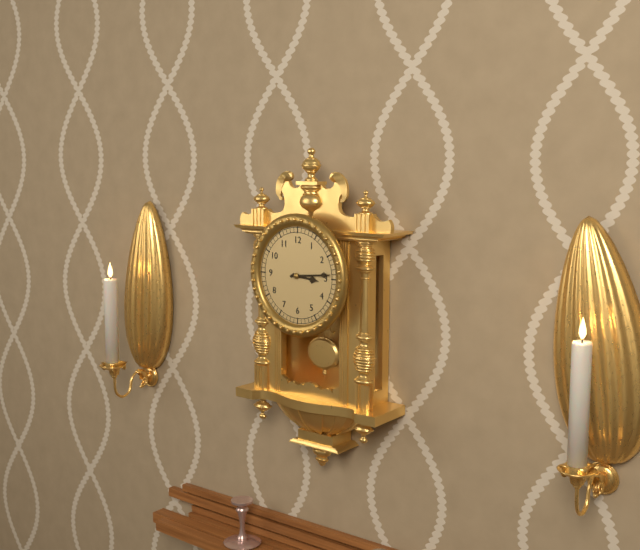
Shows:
3:14
